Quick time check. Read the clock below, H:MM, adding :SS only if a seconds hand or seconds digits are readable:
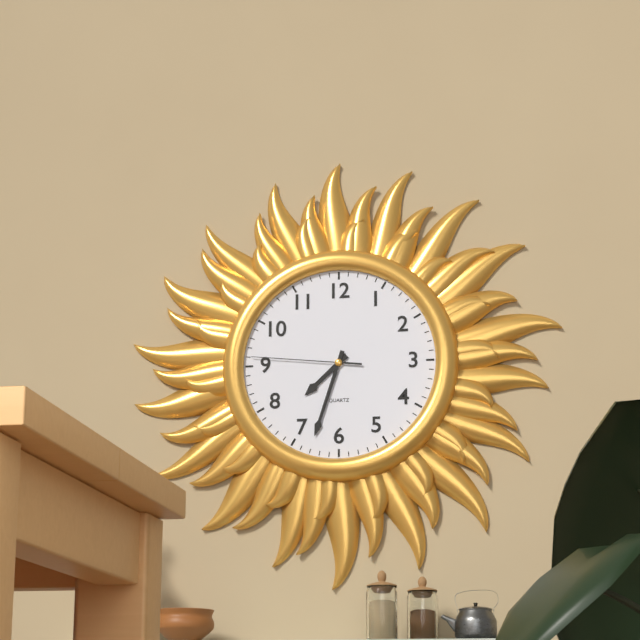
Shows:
7:33:46
